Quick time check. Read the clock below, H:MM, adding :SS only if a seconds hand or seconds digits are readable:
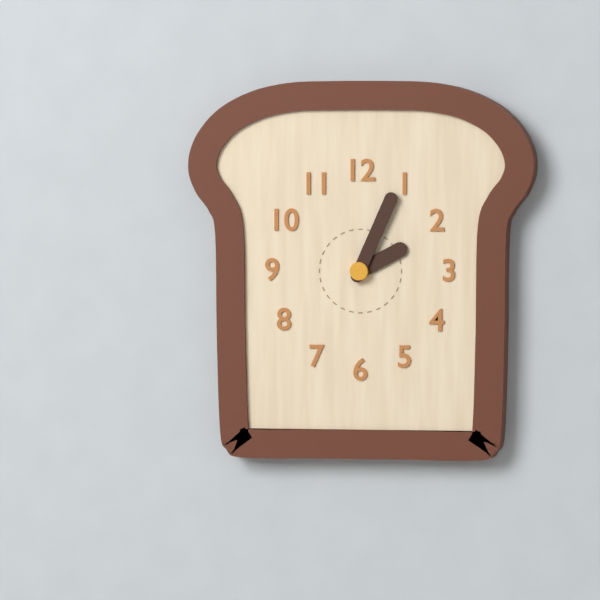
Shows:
2:04
